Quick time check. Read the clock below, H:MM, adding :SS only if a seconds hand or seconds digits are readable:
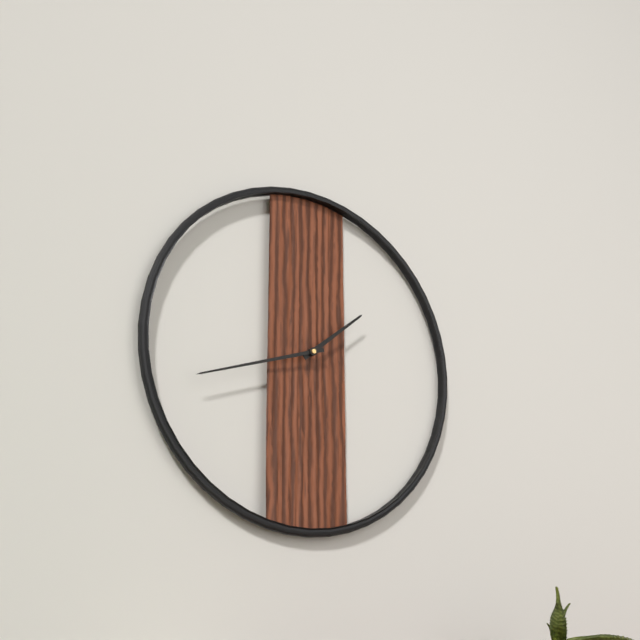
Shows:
1:42
